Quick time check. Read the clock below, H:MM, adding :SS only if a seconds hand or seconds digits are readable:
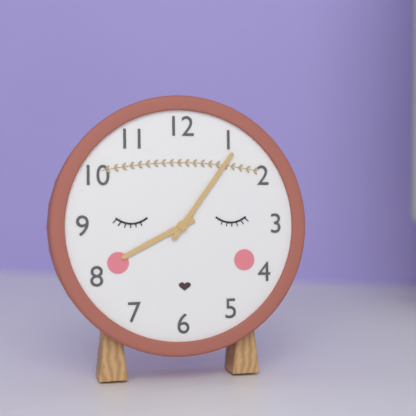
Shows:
8:06
